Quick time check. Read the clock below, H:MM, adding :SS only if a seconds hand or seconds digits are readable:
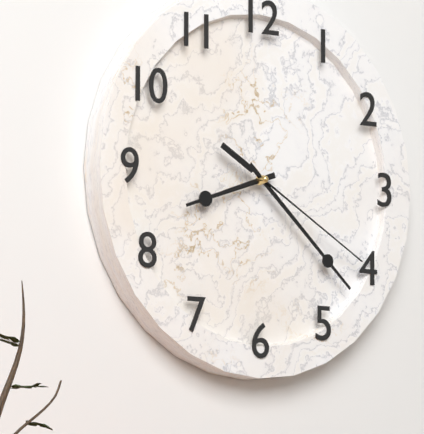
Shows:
8:22:20
